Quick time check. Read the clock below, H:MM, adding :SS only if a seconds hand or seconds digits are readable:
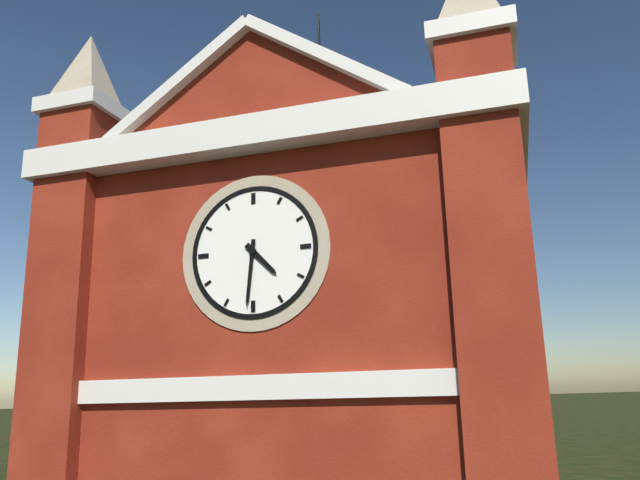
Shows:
4:31
